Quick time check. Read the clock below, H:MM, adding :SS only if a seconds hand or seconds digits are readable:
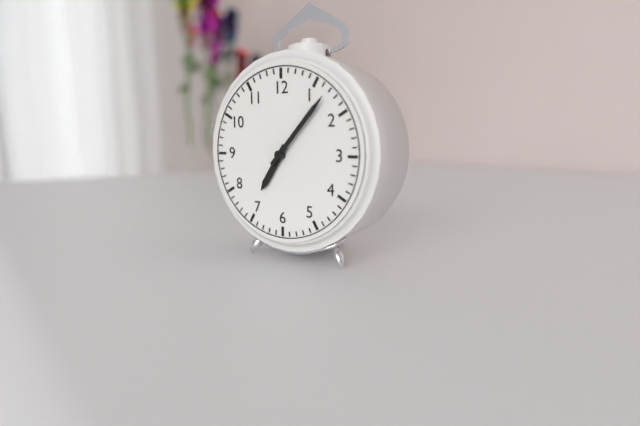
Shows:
7:07
